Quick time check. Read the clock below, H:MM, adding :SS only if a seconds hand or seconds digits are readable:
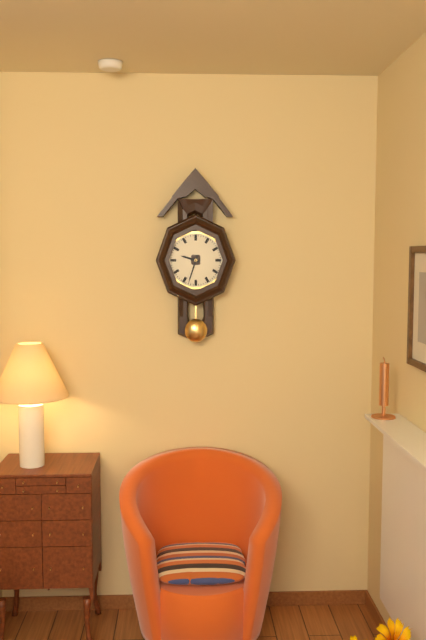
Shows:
9:33
